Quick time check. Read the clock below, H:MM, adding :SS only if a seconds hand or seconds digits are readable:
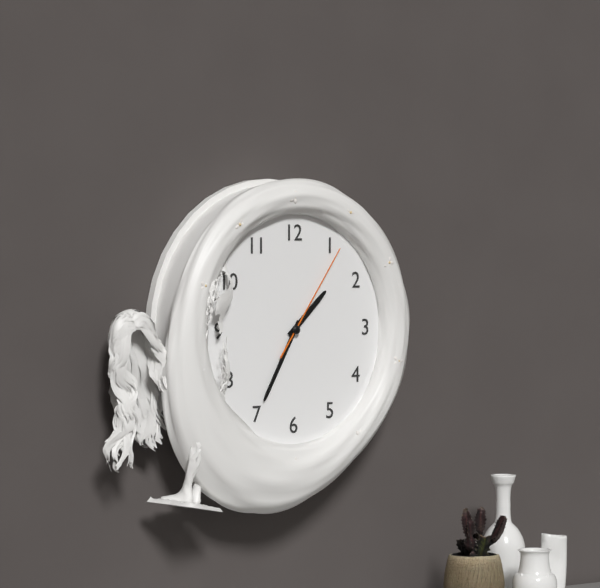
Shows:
1:35:06
